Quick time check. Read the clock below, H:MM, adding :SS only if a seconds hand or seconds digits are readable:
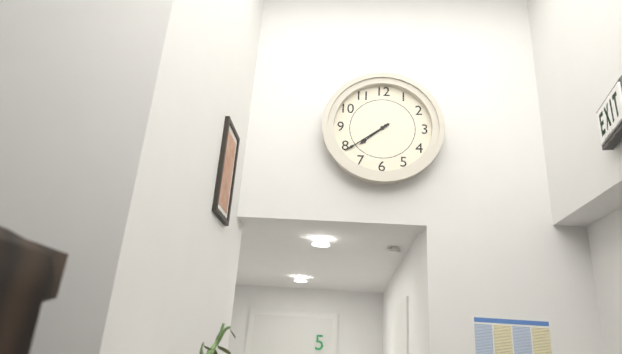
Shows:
7:39
